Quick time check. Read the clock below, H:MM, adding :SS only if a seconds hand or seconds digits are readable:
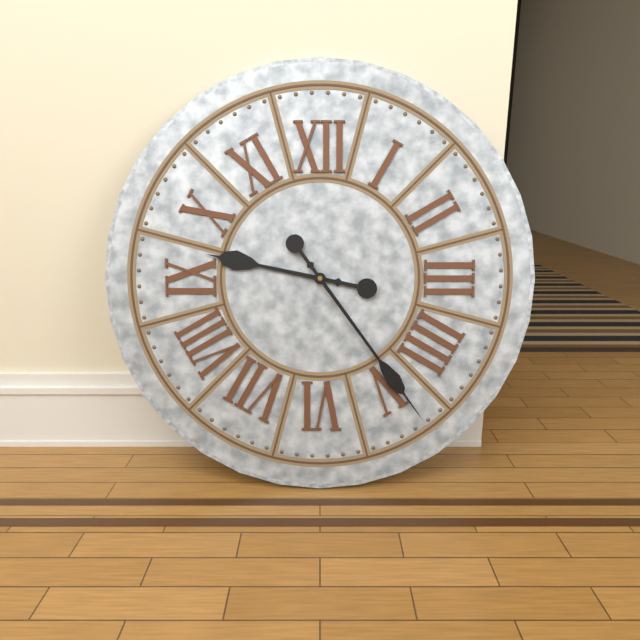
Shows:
9:24
